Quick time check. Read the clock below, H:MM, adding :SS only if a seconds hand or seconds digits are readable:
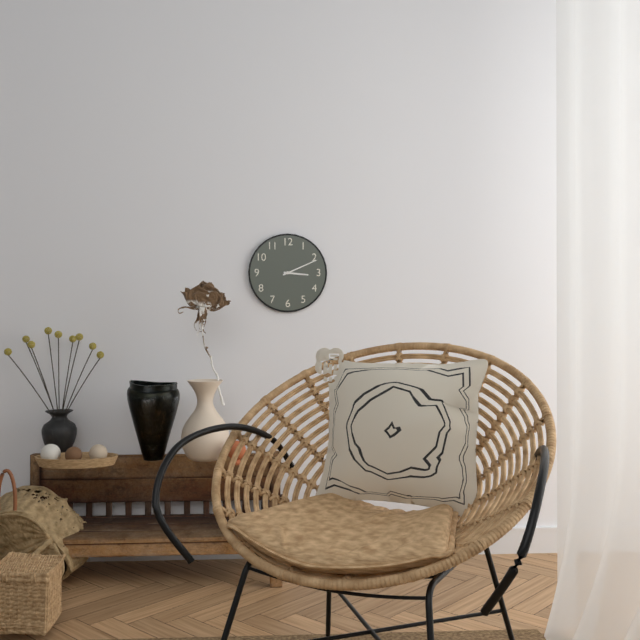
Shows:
3:11
